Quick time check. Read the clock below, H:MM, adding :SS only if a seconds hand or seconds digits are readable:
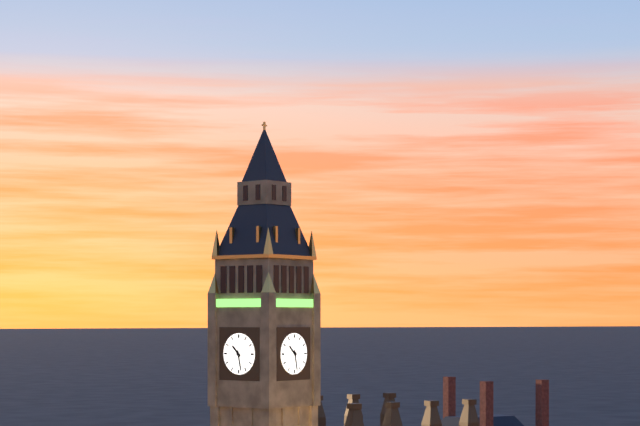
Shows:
10:28
